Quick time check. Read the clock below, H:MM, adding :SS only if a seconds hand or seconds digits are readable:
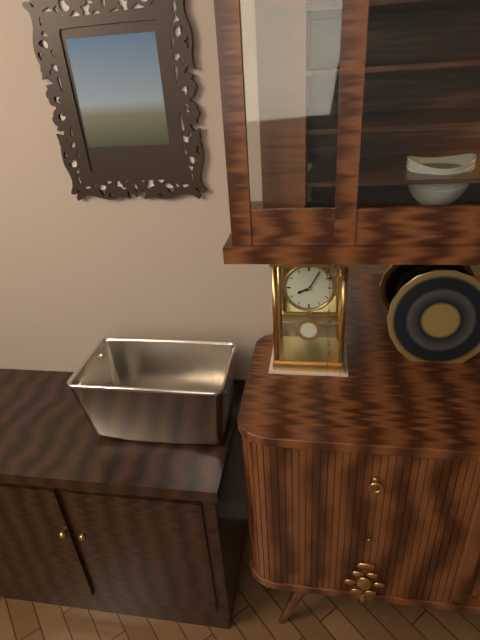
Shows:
8:05
